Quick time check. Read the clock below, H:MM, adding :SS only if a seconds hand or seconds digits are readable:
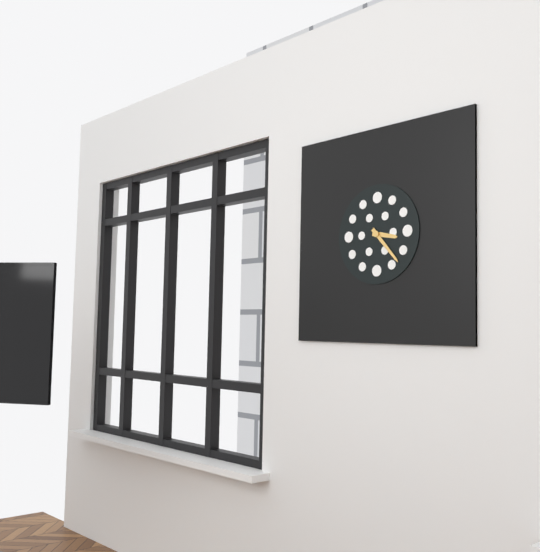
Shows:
3:23
